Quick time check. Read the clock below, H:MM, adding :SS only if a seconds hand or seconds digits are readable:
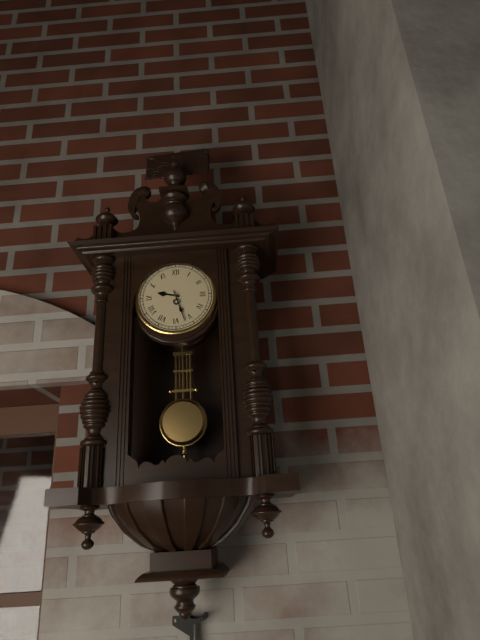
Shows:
9:27
